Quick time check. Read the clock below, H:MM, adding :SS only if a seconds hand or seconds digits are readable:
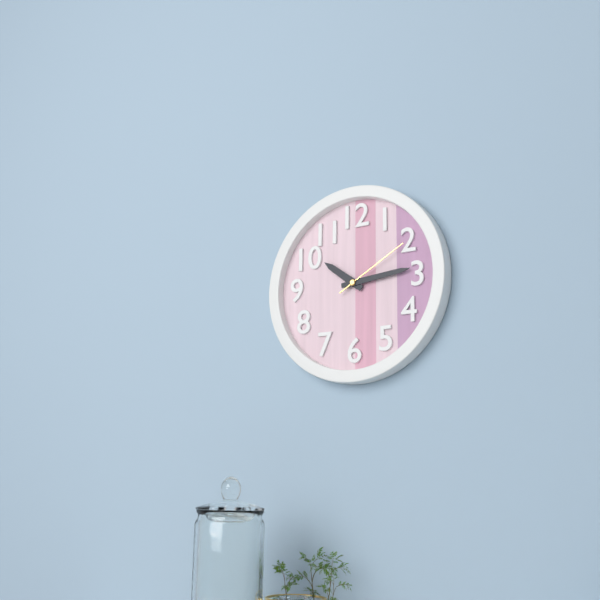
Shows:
10:14:10
